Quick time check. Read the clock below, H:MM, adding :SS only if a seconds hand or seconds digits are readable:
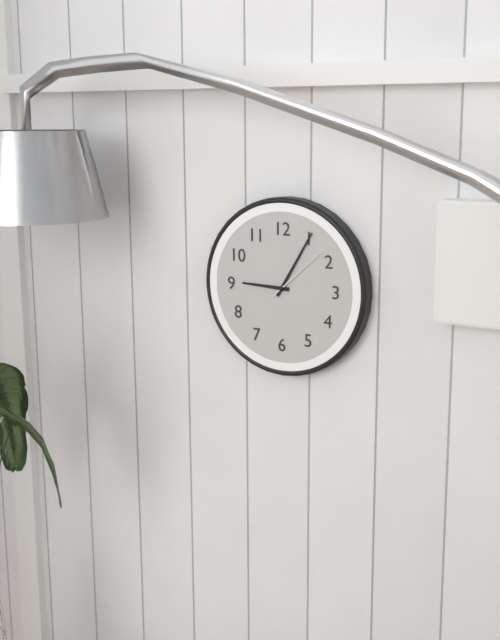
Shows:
9:05:08
